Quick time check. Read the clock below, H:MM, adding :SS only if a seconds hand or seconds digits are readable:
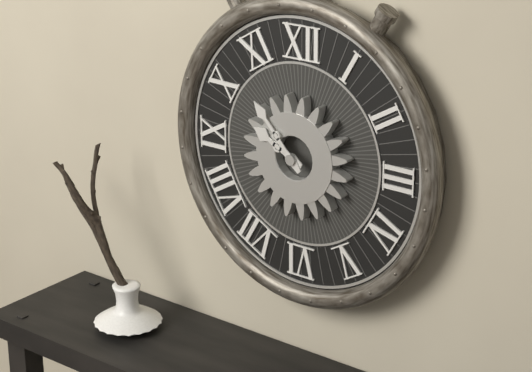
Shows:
9:53
